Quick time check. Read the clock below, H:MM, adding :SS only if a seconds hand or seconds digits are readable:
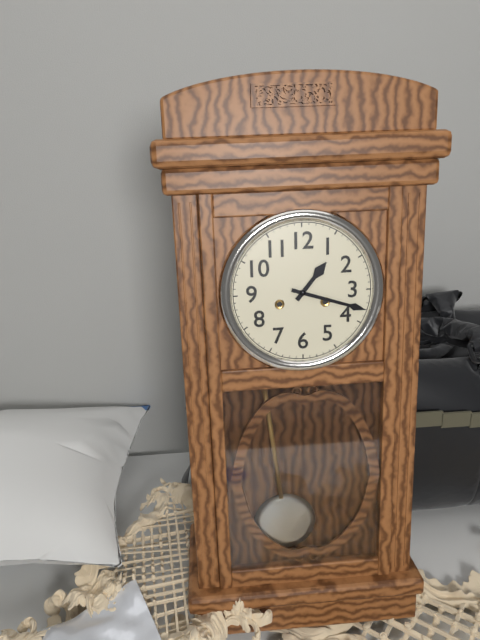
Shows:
1:18
